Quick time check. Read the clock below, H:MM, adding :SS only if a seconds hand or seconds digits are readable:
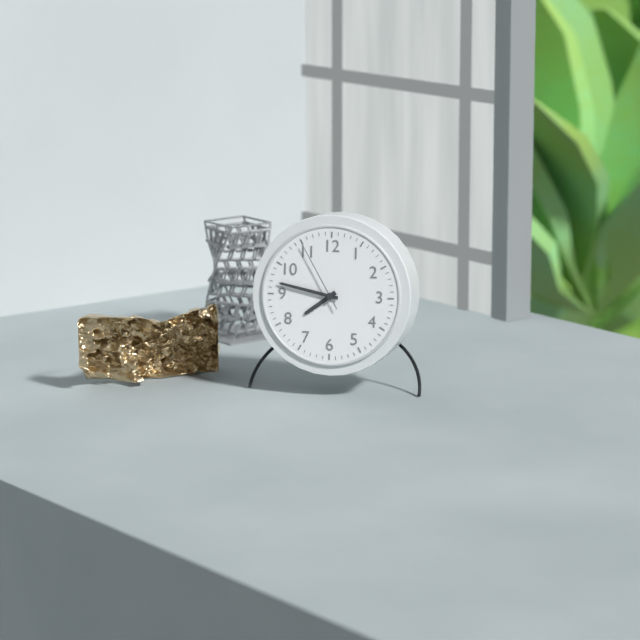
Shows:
7:47:55
